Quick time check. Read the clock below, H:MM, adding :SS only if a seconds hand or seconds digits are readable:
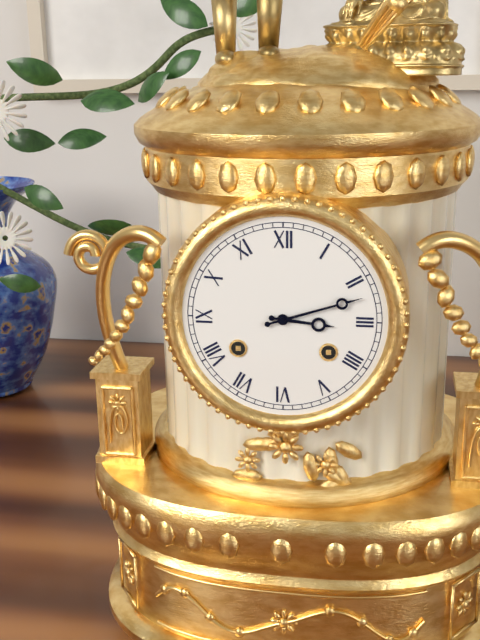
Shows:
3:12
